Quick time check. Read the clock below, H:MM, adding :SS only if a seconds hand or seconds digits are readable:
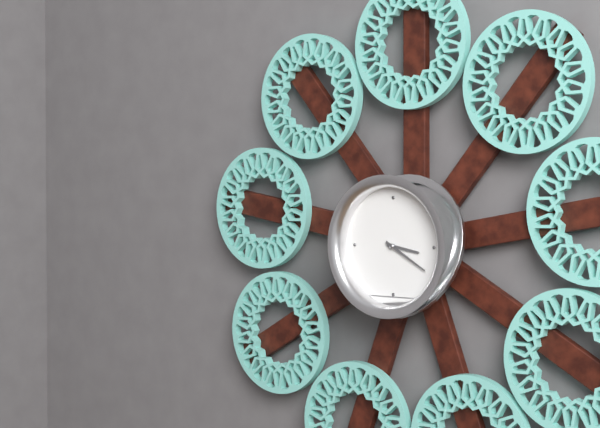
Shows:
3:20
